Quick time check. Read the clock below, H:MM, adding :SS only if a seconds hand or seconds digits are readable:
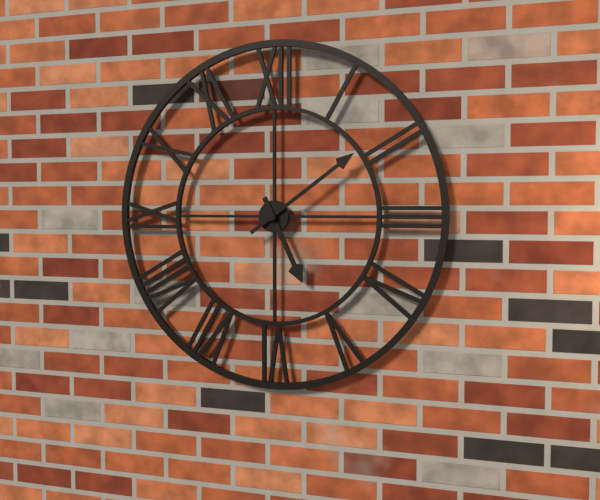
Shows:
5:09
